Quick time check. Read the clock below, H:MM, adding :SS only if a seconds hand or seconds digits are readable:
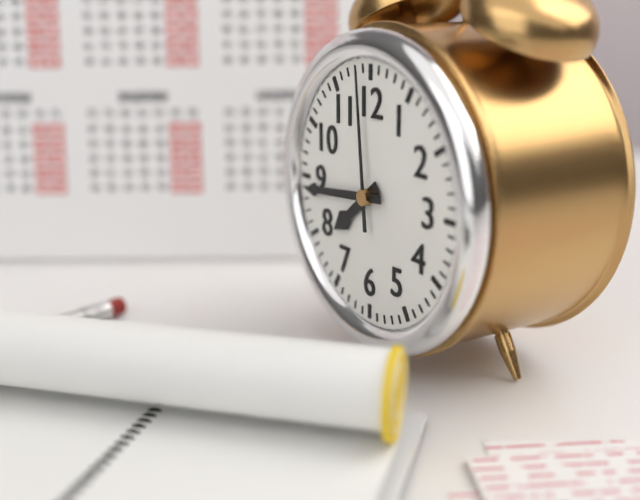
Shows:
7:44:59
